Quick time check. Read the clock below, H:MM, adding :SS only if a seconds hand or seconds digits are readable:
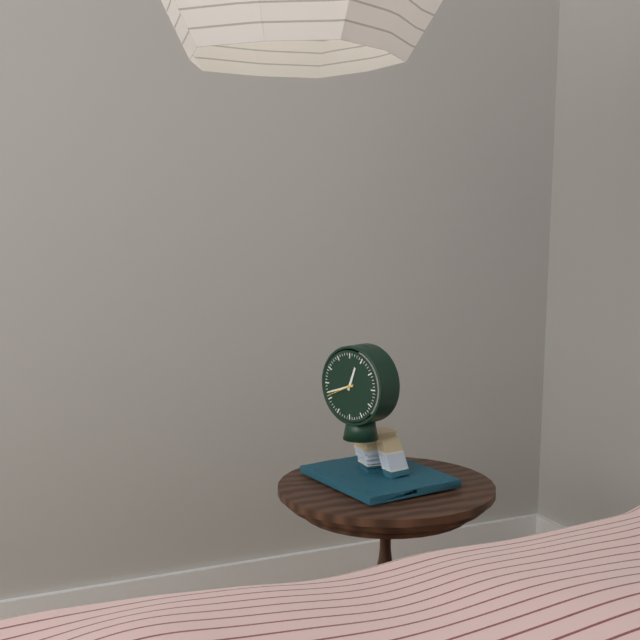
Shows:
12:42
